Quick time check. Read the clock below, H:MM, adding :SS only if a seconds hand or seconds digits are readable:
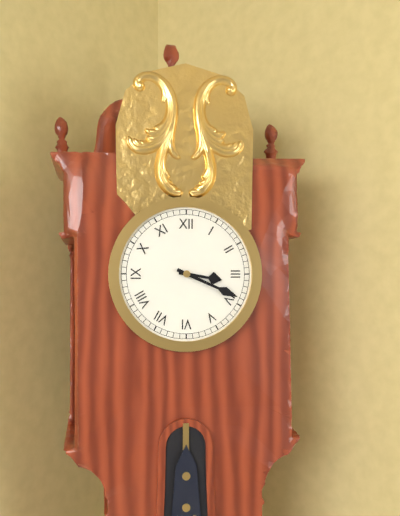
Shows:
3:19
